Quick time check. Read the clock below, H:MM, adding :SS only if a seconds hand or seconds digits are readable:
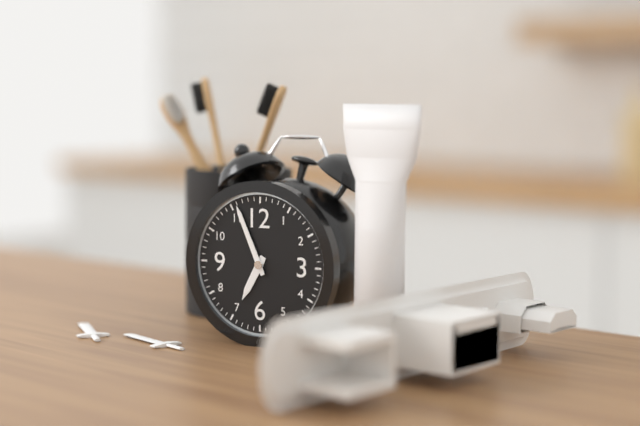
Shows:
6:56
